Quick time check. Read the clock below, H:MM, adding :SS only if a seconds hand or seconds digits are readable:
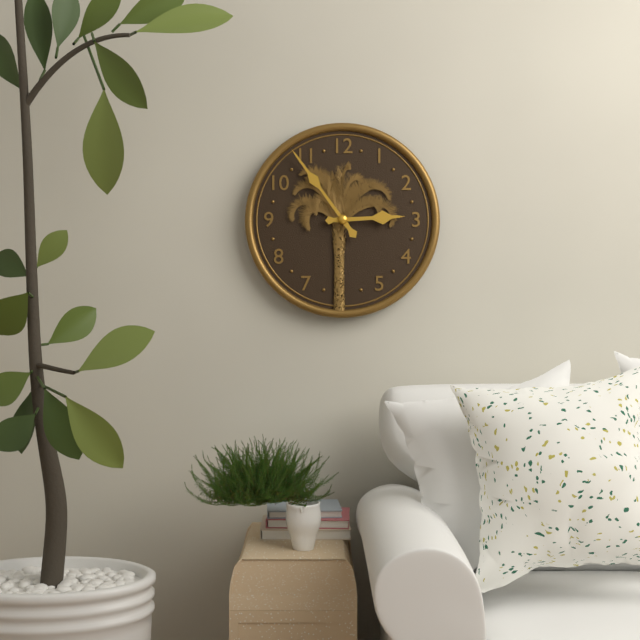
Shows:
2:54
